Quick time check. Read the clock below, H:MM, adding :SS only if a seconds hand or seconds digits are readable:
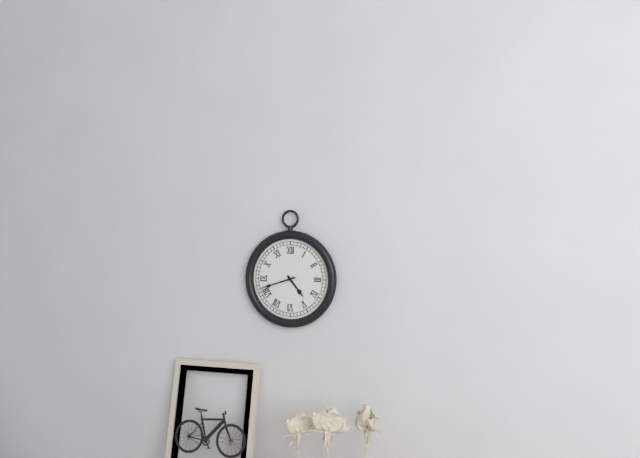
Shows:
4:42
